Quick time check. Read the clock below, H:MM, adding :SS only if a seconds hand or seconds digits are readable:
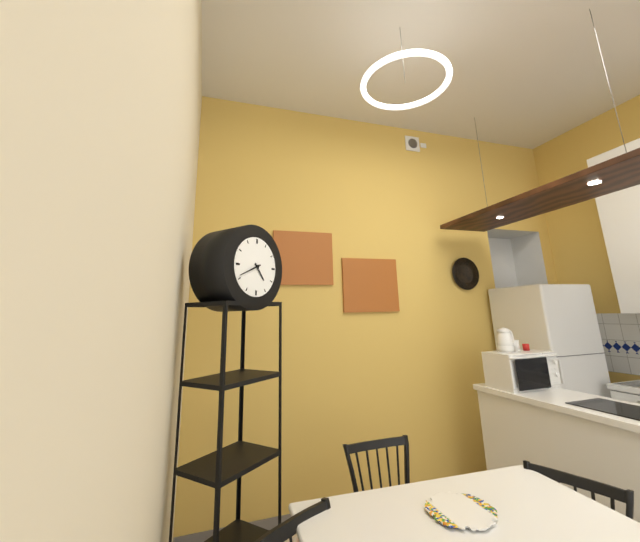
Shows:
4:41
